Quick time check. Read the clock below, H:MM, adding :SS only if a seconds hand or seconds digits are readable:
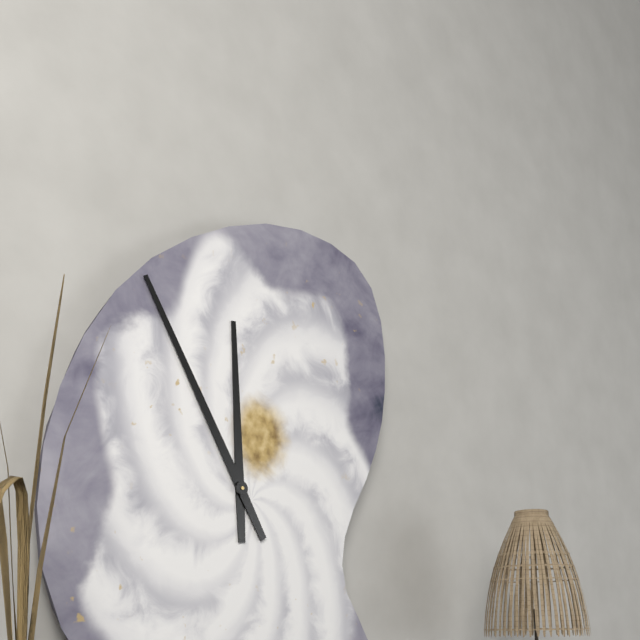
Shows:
11:55
